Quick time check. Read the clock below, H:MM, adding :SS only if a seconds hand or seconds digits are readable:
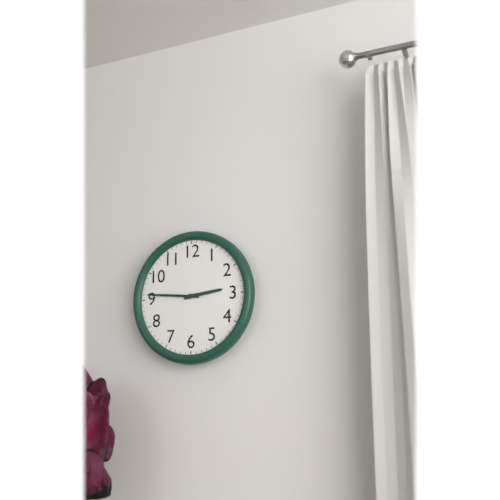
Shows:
2:46
